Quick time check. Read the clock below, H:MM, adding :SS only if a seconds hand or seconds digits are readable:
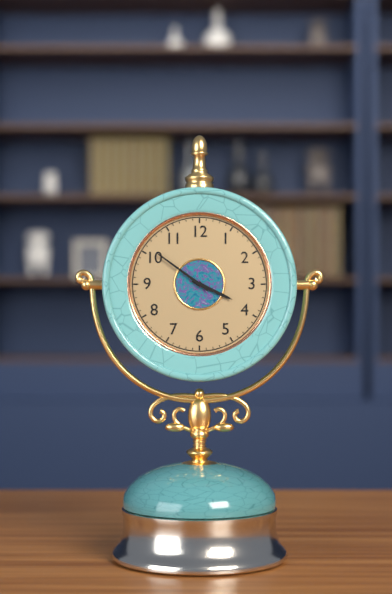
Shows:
3:51
